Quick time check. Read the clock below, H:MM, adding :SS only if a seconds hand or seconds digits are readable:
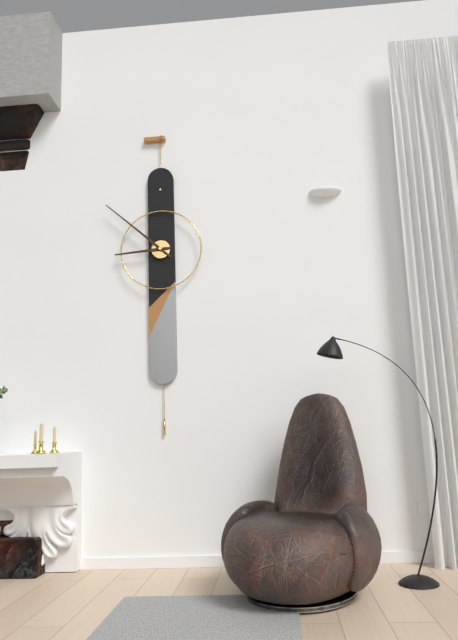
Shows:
8:52
